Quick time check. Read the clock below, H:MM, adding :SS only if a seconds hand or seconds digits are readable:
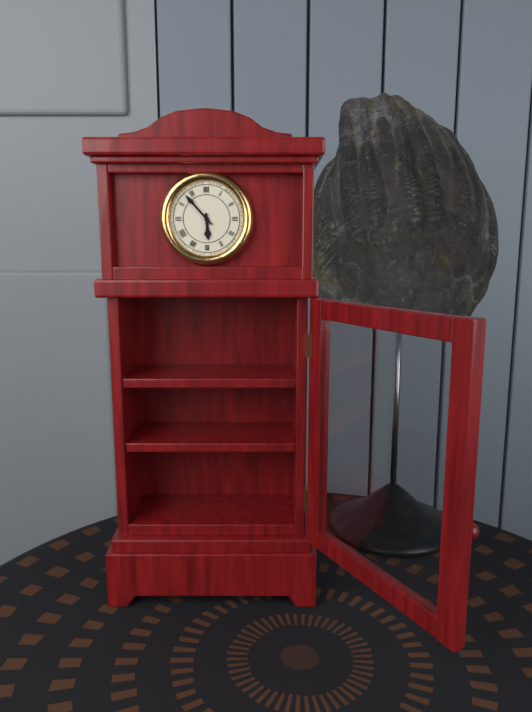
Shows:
5:53
